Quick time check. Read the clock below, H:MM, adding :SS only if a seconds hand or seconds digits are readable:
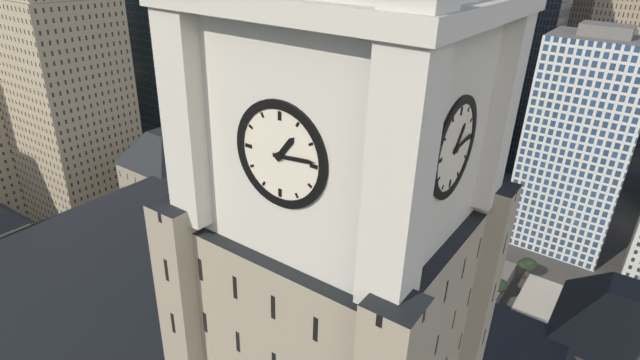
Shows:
1:14
